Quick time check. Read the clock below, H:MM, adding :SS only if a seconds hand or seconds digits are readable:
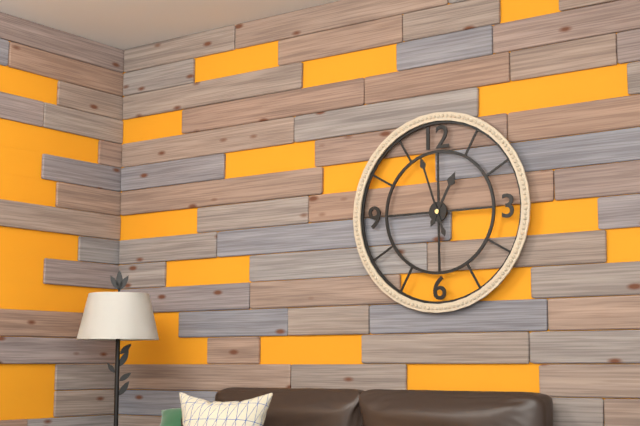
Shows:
12:57
